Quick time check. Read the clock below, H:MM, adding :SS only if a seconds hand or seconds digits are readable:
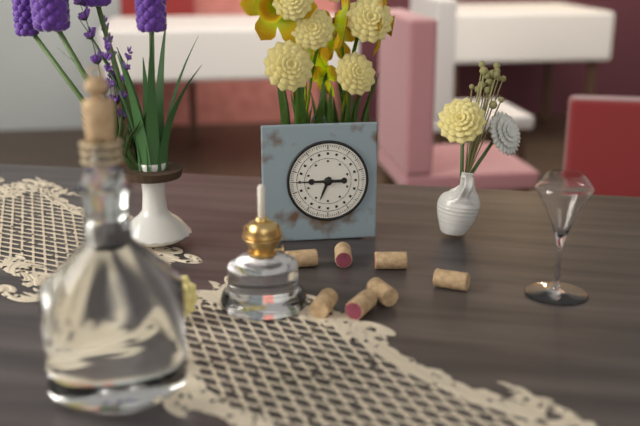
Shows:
6:45
